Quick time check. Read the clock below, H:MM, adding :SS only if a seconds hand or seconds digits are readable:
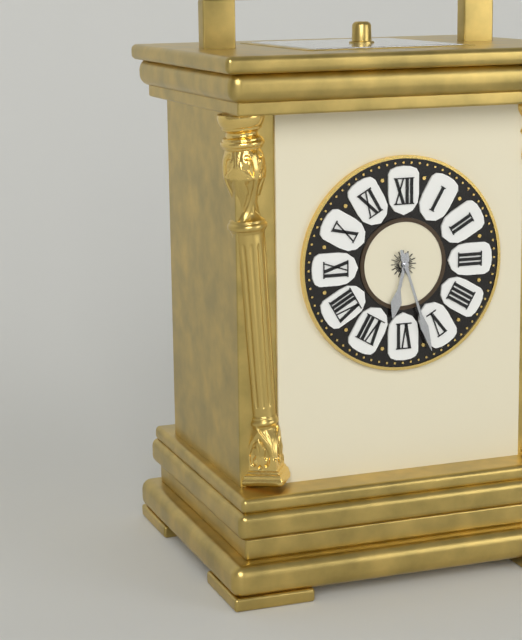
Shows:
6:27
